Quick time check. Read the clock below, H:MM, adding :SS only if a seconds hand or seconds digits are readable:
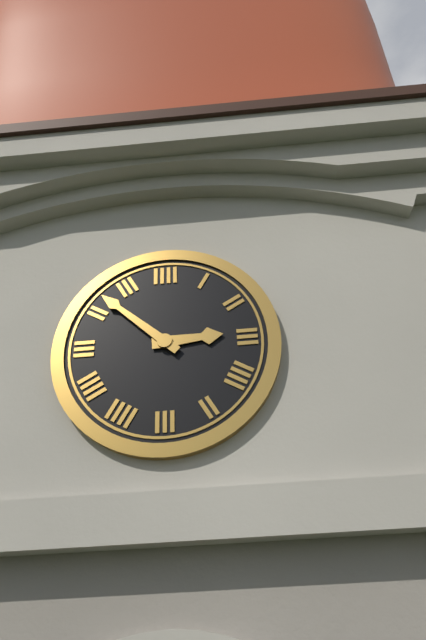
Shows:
2:52
